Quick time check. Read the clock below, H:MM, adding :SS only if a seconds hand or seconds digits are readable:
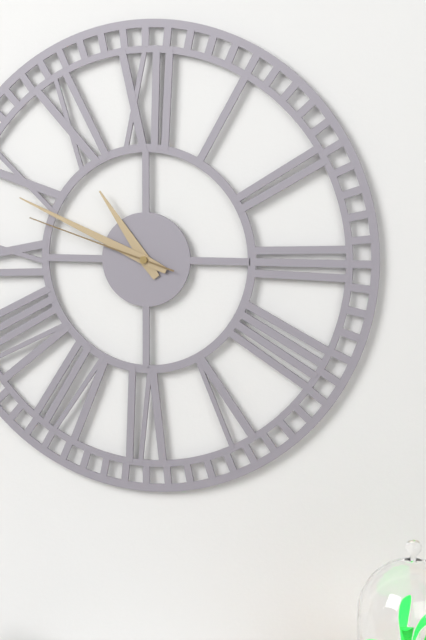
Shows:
10:49:48
